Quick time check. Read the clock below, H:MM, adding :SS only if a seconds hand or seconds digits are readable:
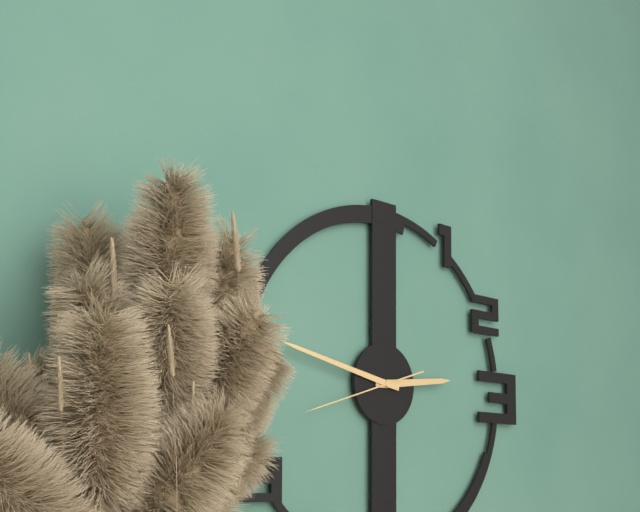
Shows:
2:47:42
